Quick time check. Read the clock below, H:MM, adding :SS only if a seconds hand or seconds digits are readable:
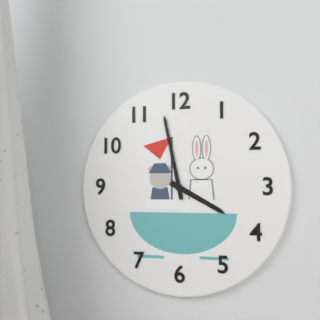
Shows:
3:58
